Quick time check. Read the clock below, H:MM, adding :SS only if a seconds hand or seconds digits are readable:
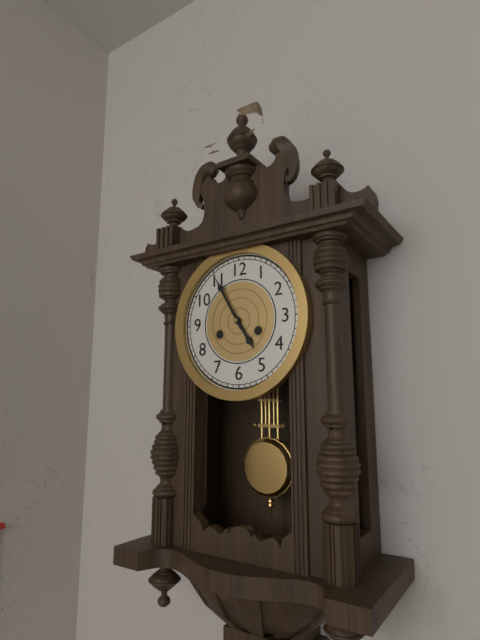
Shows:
4:55
